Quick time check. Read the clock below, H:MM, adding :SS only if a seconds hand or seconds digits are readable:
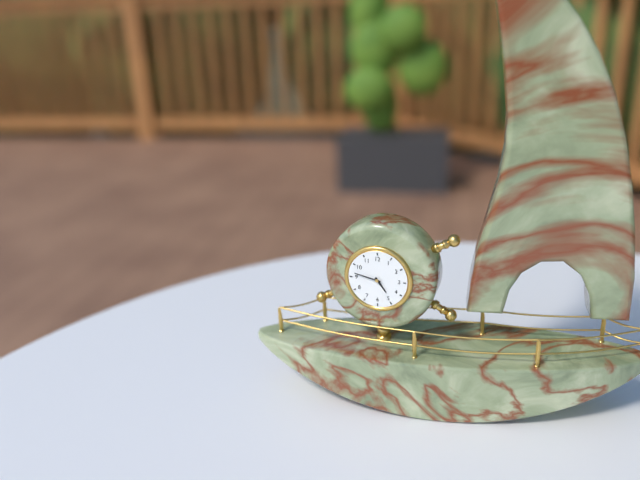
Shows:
4:47
